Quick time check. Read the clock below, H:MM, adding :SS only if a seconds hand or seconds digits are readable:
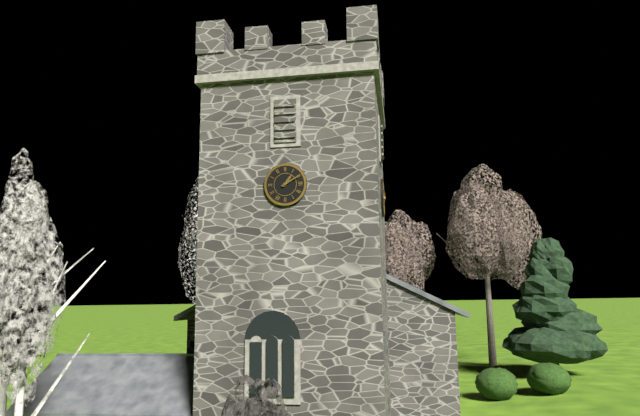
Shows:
1:10
